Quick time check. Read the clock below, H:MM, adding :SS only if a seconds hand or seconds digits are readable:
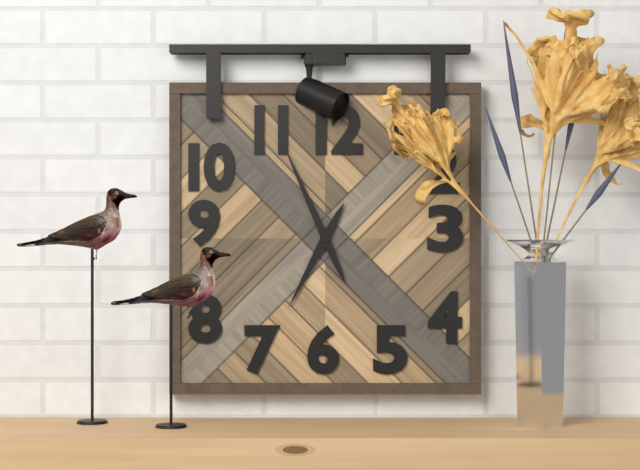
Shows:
6:56
